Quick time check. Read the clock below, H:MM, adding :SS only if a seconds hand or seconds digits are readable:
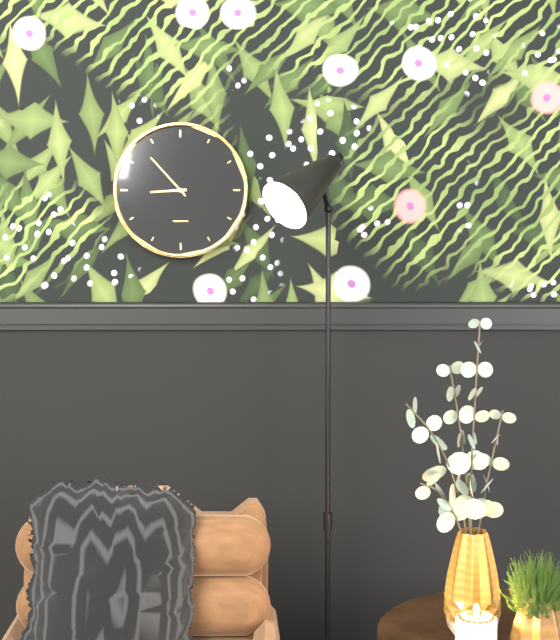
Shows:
8:53
